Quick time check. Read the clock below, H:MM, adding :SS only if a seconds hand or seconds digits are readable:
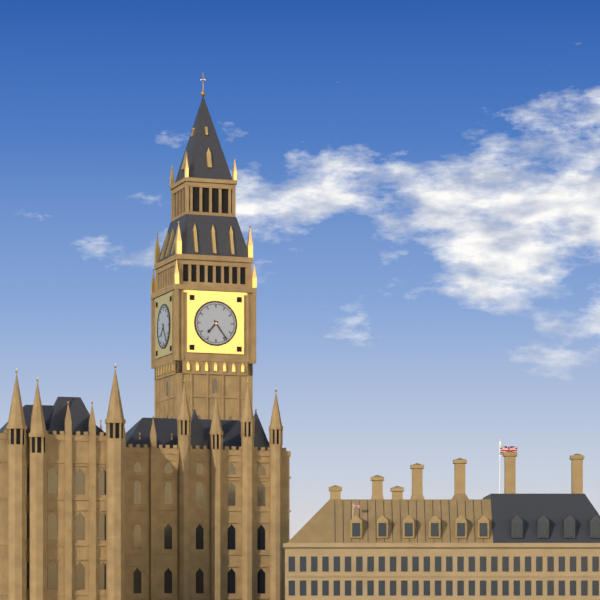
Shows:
7:24
